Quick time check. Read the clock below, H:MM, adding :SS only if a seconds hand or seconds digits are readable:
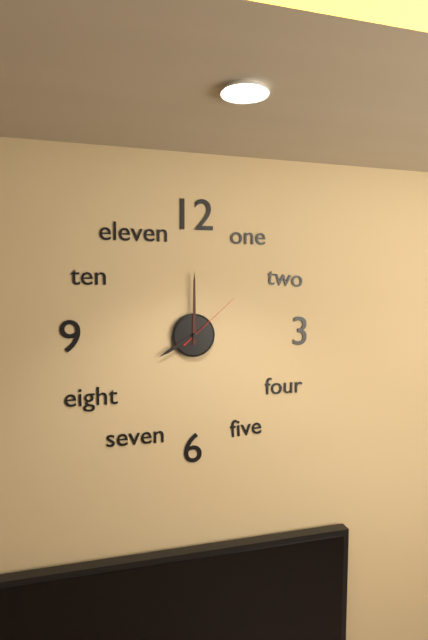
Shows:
8:00:08
